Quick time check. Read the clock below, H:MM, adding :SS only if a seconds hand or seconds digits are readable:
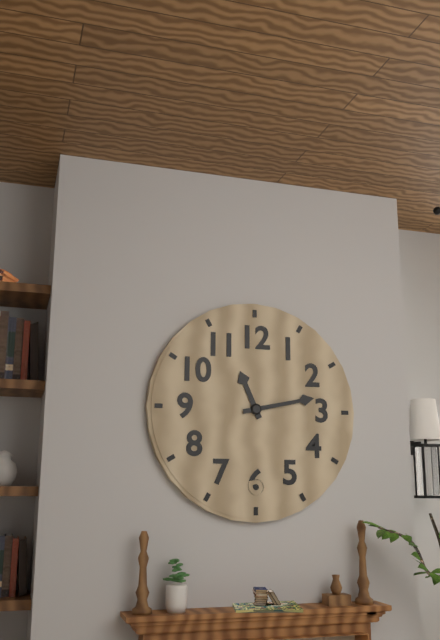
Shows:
11:13
